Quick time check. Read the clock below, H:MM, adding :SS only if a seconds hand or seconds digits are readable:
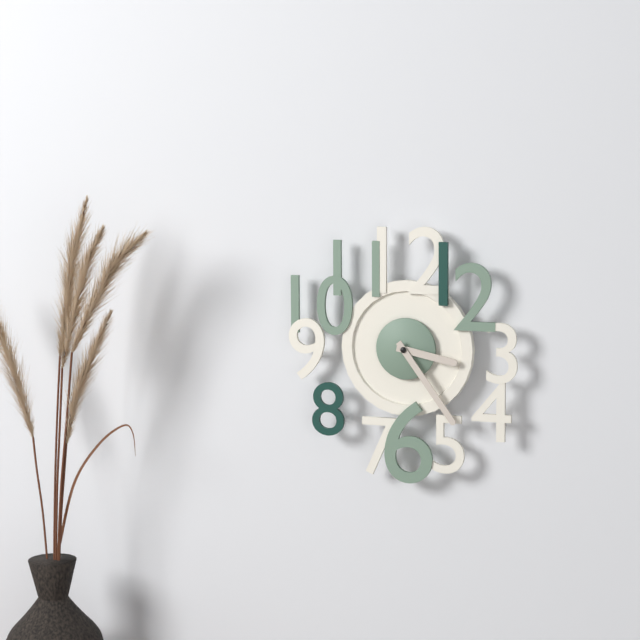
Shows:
3:24
